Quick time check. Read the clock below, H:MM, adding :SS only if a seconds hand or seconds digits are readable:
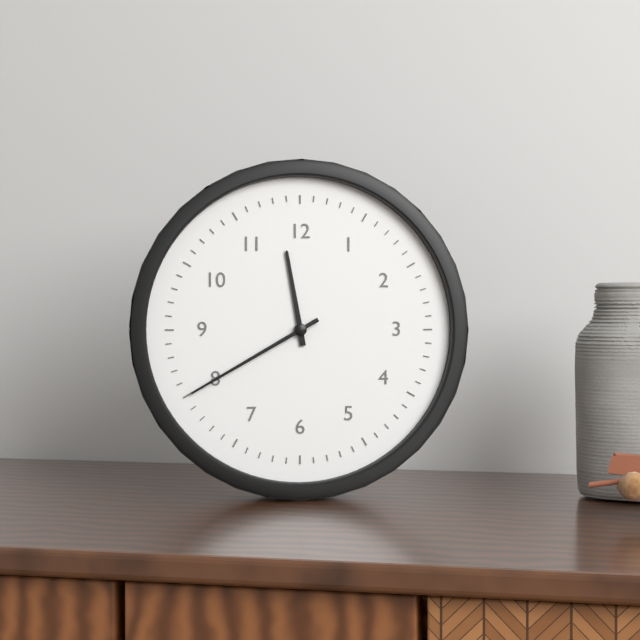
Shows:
11:40
